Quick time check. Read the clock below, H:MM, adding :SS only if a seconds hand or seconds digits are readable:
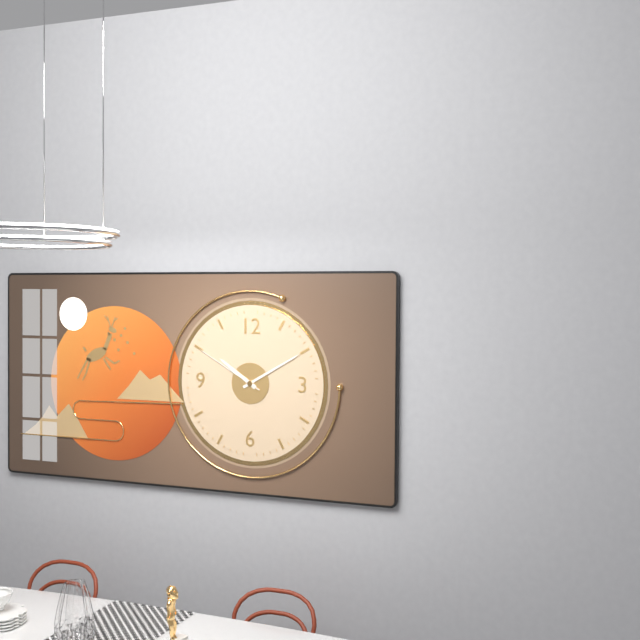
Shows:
10:10:50
